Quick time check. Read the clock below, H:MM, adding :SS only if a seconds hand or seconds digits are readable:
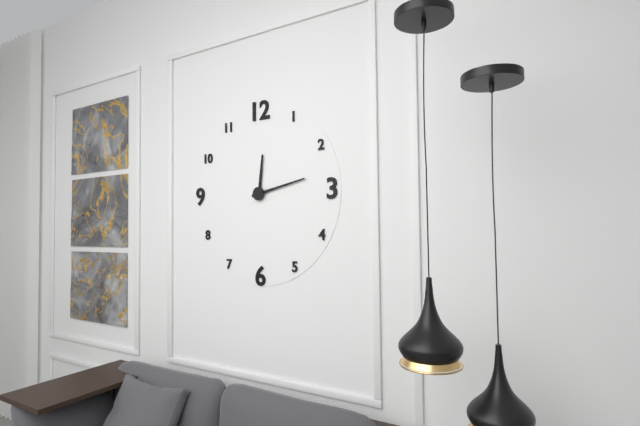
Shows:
12:13
